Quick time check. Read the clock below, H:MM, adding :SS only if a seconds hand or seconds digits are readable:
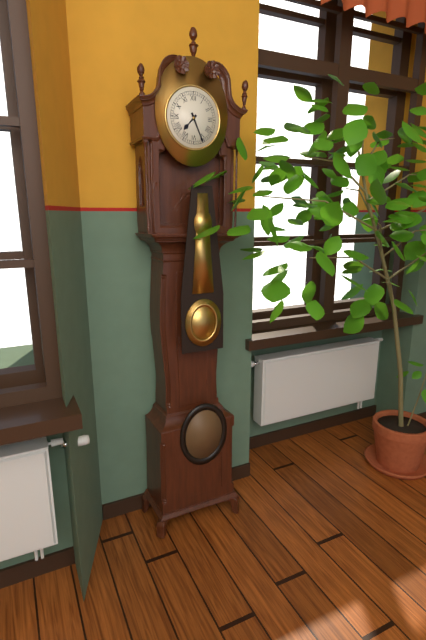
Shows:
7:26
